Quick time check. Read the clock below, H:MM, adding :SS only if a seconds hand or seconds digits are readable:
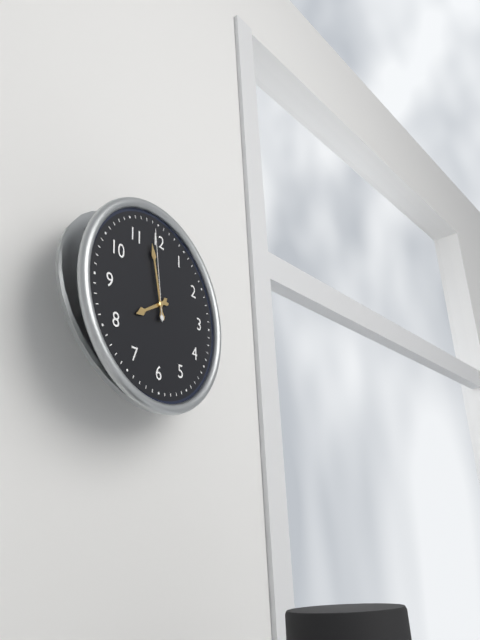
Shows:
7:58:59
